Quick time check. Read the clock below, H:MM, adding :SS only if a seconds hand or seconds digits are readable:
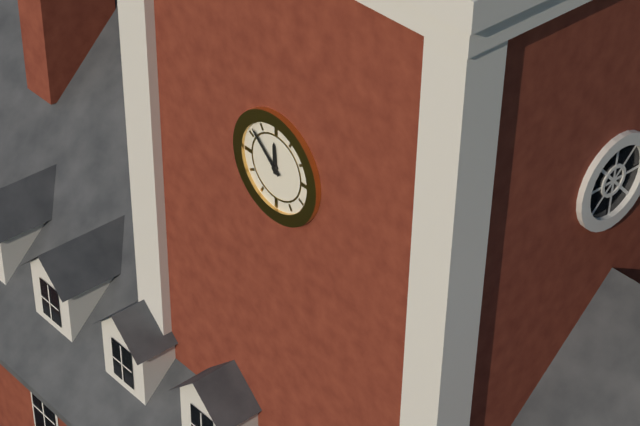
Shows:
11:52
